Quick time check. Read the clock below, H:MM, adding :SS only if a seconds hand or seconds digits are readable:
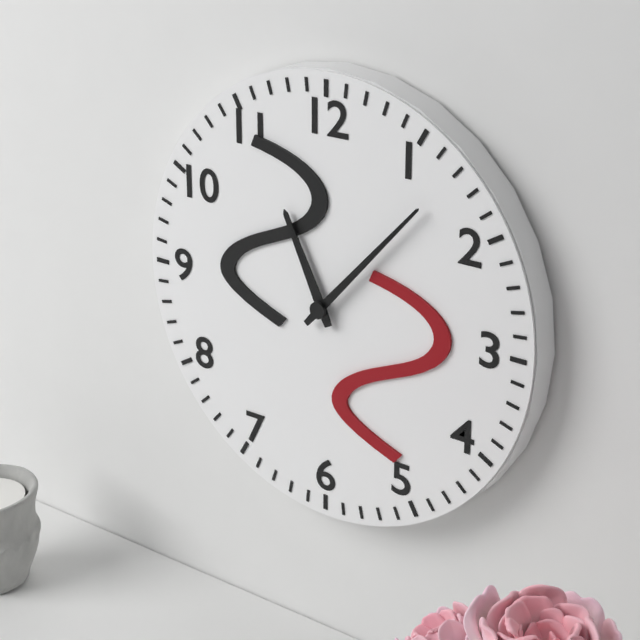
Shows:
11:07
